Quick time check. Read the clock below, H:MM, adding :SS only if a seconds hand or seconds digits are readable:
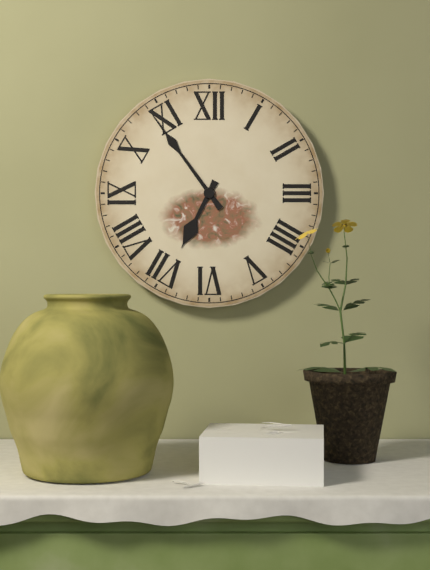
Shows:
6:54
